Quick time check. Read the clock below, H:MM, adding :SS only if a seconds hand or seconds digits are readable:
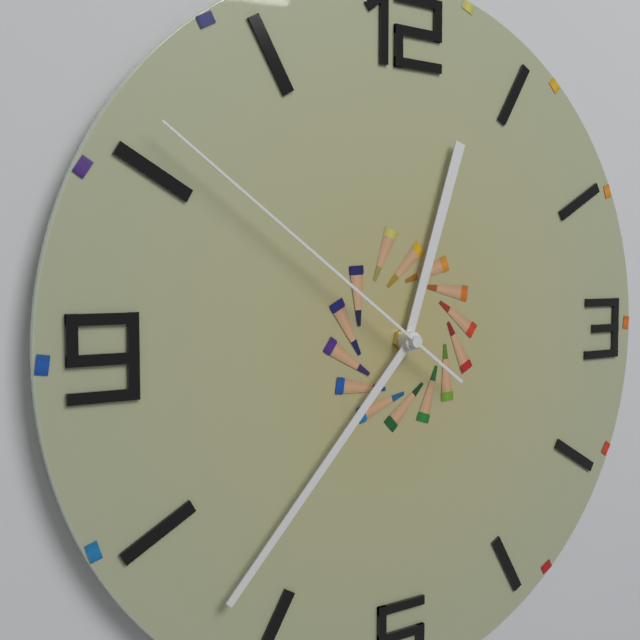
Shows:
12:37:51
